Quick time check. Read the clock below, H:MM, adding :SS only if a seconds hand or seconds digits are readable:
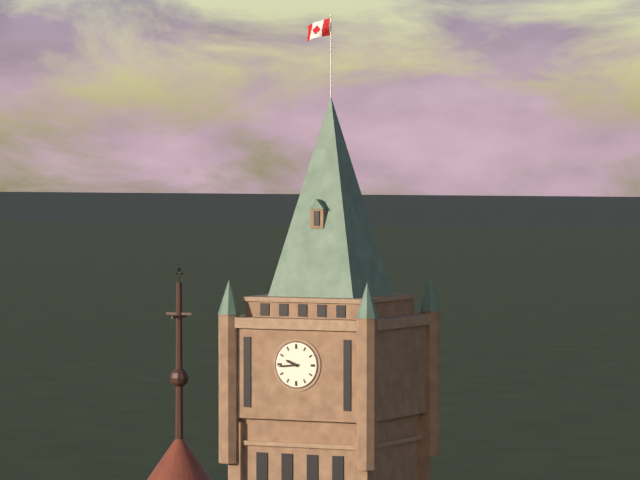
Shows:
9:44
